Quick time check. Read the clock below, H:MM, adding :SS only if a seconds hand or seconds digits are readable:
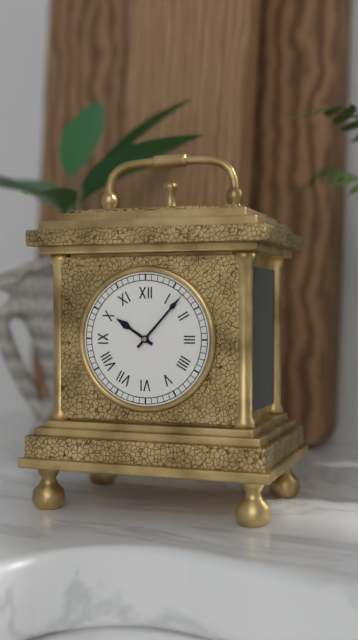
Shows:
10:07
